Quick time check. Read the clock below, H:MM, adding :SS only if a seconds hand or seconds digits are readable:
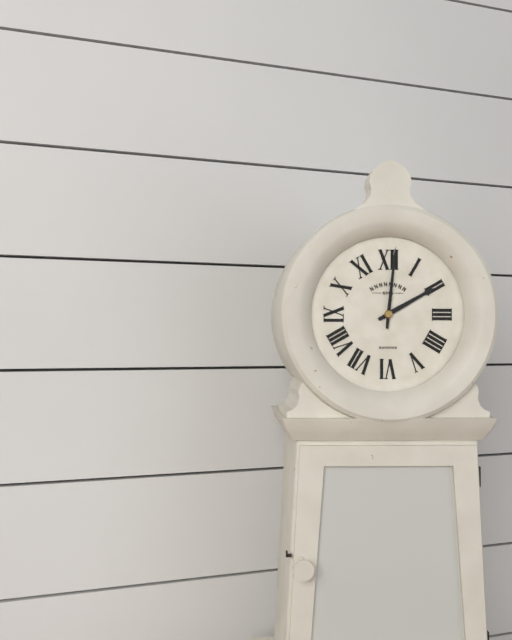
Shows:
2:01
